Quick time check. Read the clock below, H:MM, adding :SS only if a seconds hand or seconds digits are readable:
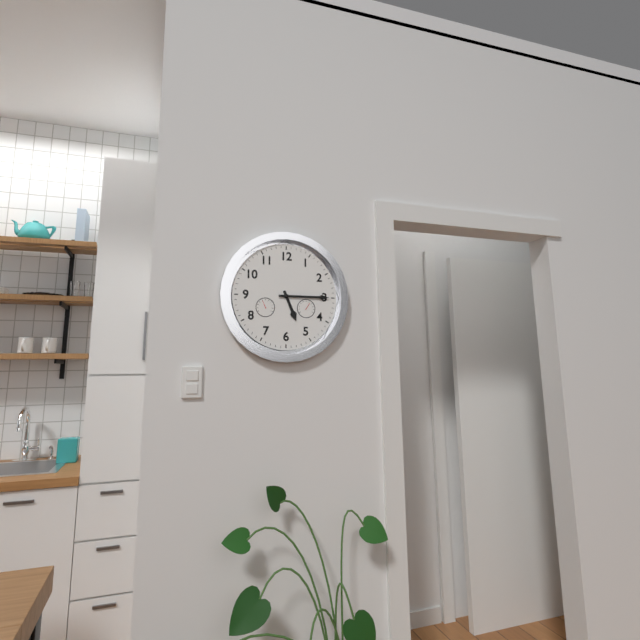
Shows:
5:15
